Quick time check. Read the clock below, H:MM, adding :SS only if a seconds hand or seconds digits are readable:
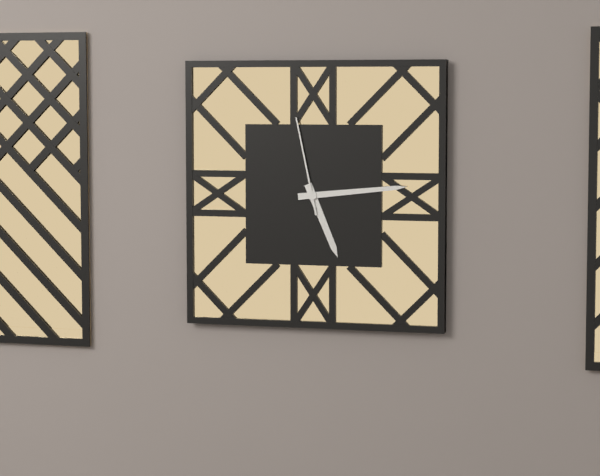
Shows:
5:14:58
